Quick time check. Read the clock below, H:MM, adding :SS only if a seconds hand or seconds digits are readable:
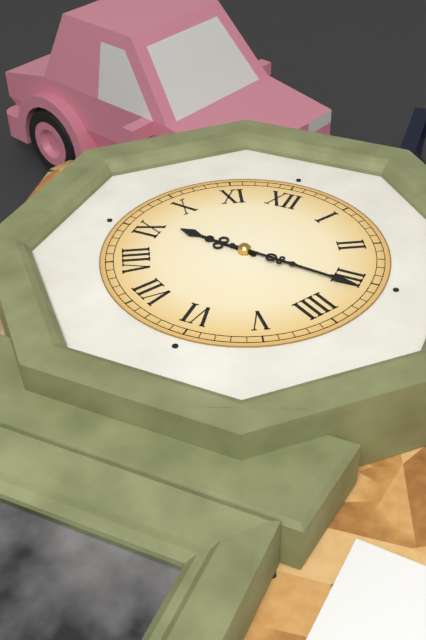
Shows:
9:16
